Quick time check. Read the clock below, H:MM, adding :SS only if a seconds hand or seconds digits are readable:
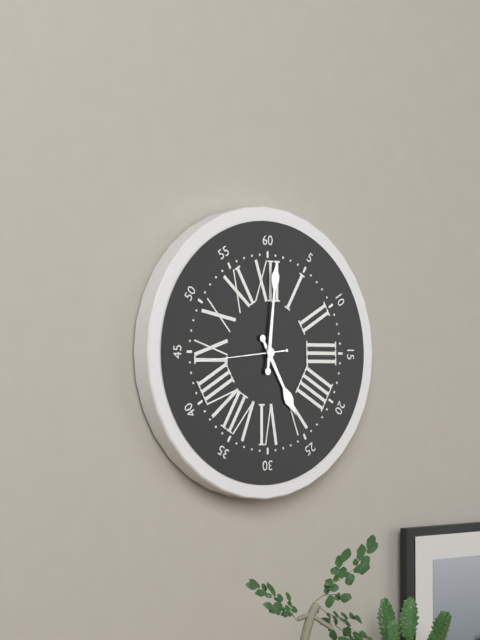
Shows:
5:01:44
